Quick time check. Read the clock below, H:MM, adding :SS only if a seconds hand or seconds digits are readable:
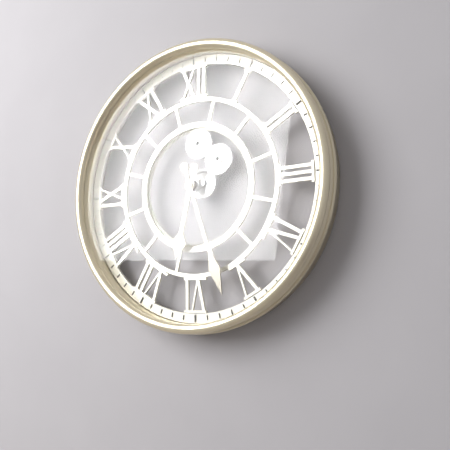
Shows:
6:27
